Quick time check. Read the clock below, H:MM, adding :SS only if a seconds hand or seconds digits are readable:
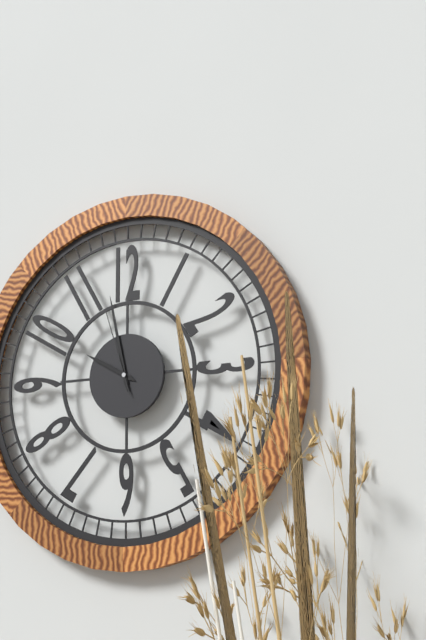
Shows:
9:58:57
